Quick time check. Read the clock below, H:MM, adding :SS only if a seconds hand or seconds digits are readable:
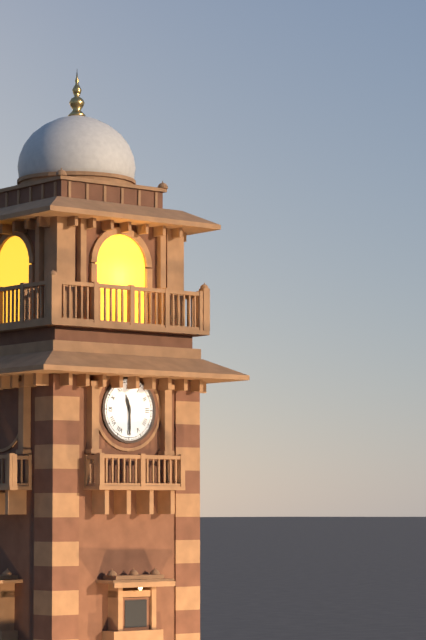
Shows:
11:30
